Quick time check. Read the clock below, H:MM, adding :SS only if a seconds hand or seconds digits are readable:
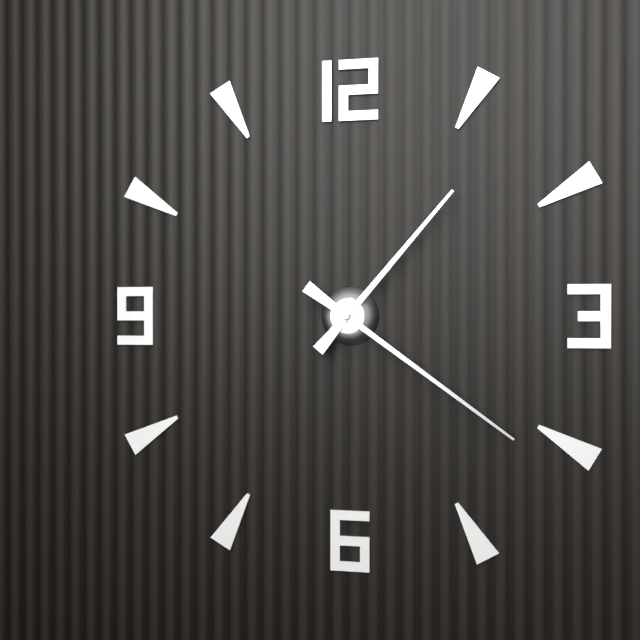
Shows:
1:21
